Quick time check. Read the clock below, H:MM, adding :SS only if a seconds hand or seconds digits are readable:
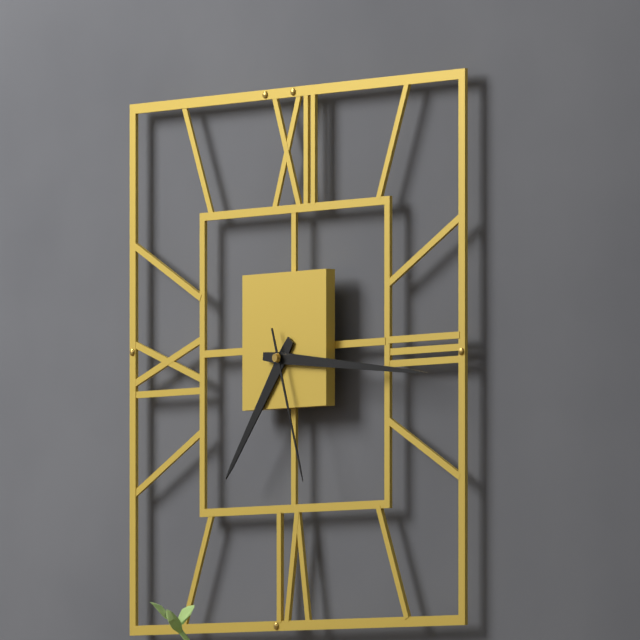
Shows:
7:16:27
